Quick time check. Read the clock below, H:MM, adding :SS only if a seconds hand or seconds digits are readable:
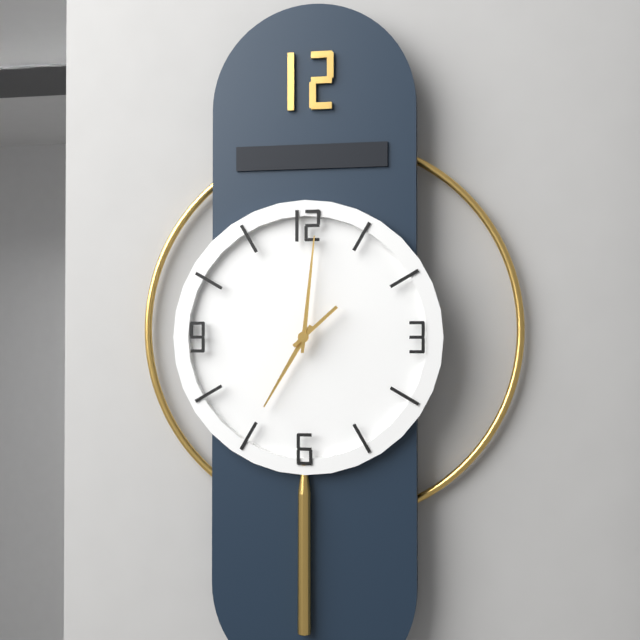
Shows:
7:01:08
